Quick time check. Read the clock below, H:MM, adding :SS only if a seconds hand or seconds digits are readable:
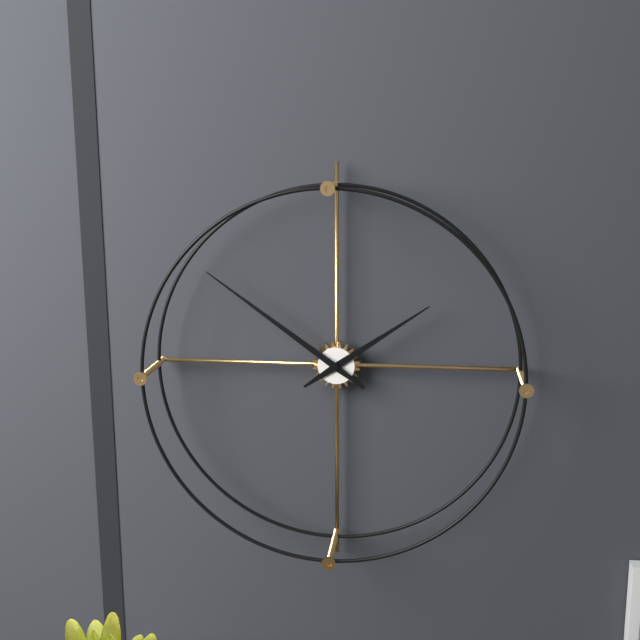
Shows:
1:51
